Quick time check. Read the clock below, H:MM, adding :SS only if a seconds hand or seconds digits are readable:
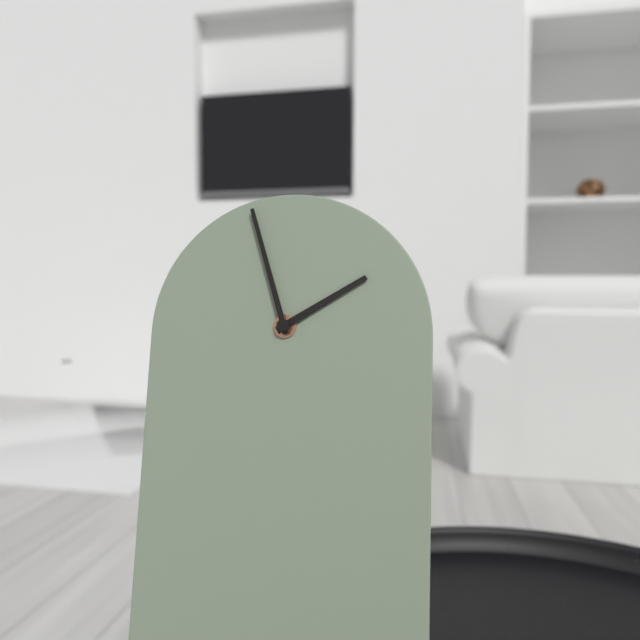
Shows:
1:57
